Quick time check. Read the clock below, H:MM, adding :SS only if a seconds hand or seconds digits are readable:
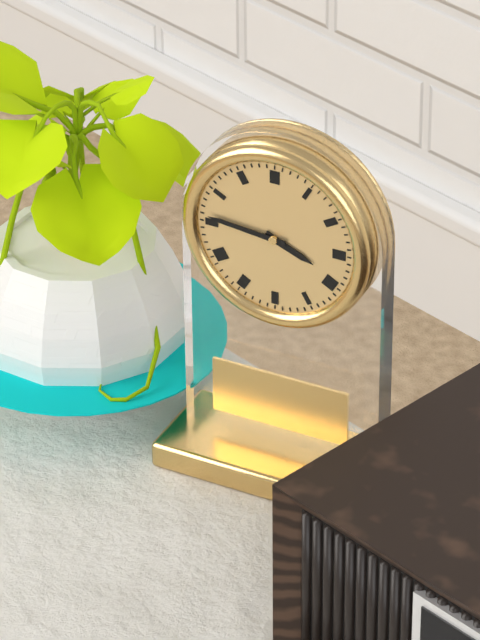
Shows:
3:46
